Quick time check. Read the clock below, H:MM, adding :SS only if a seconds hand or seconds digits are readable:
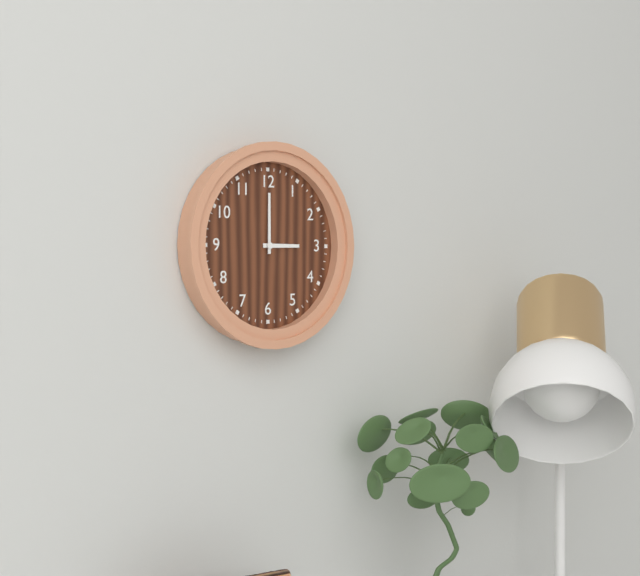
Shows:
3:00
